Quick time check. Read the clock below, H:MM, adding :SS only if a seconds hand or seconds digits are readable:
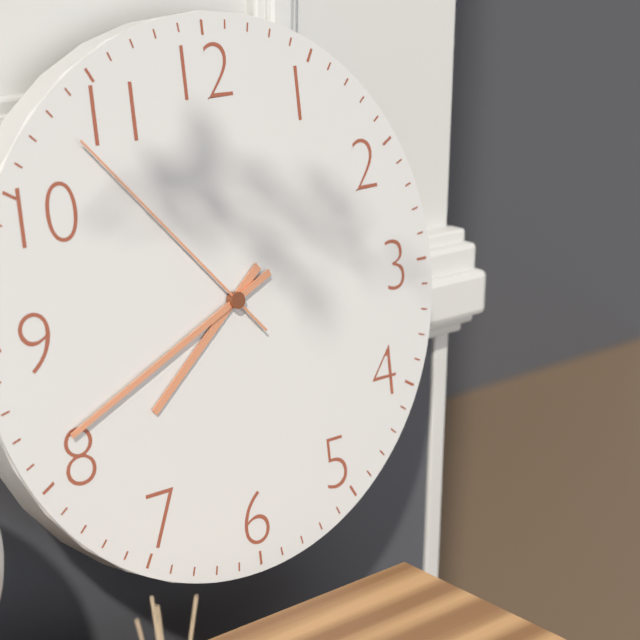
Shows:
7:41:53
